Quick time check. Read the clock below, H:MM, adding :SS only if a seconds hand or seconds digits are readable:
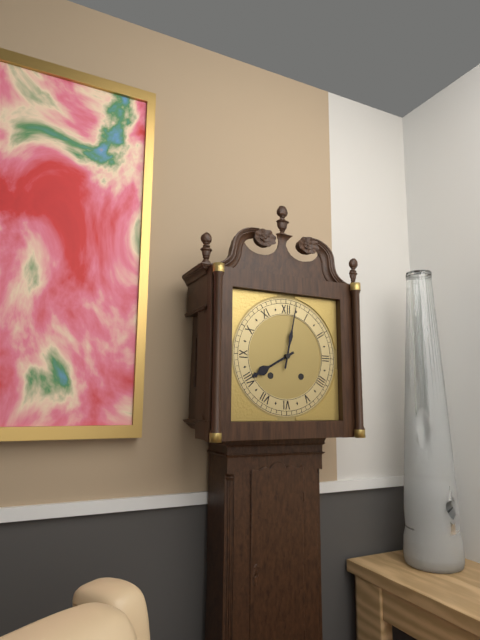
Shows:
8:02
